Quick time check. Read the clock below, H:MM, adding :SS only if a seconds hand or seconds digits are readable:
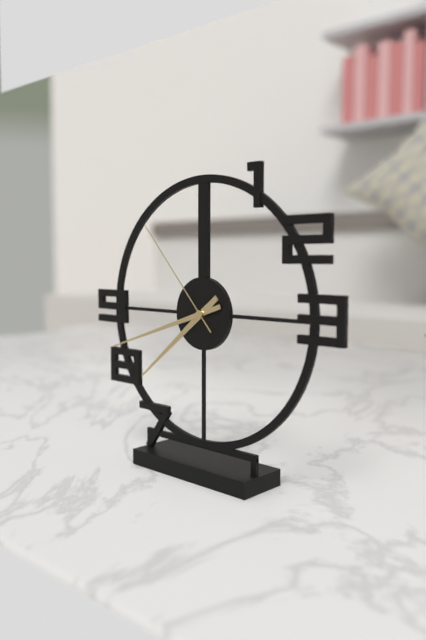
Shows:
7:42:53
